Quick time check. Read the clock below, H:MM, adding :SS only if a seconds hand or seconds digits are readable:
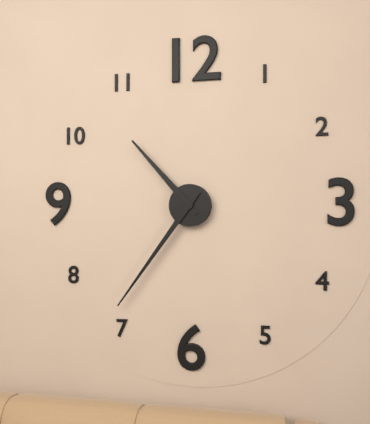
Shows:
10:36
